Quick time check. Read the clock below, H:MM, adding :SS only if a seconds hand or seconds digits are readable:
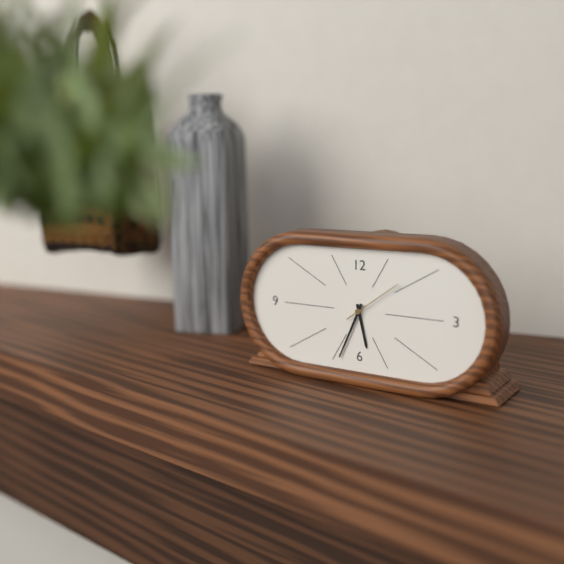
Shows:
5:34:09
